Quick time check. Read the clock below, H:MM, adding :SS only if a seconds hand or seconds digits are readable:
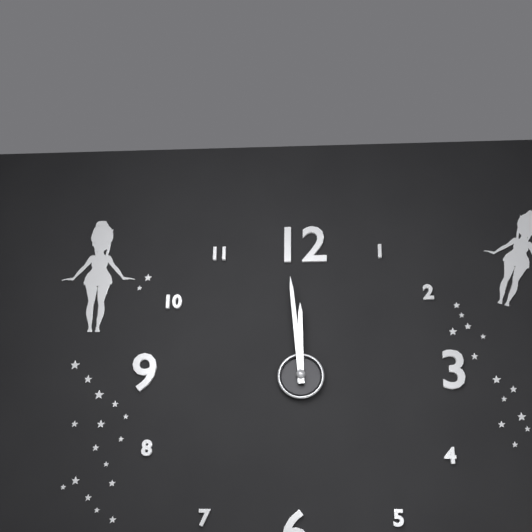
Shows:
11:59
